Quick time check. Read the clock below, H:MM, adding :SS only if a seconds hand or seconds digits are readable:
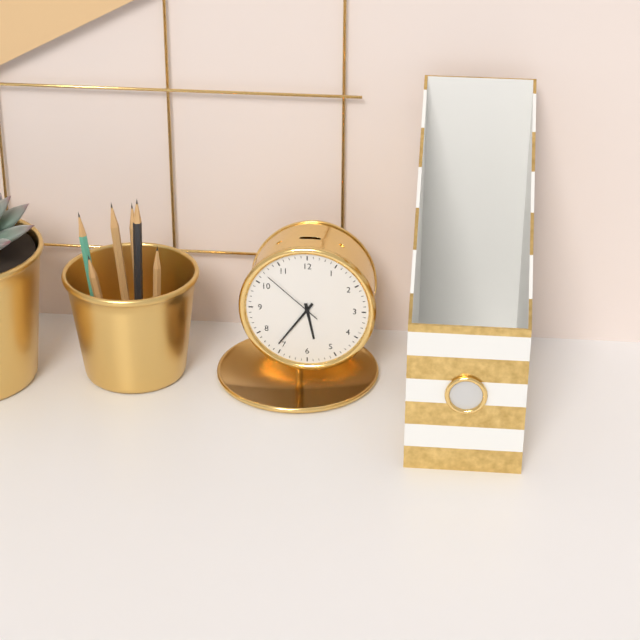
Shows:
5:36:52
